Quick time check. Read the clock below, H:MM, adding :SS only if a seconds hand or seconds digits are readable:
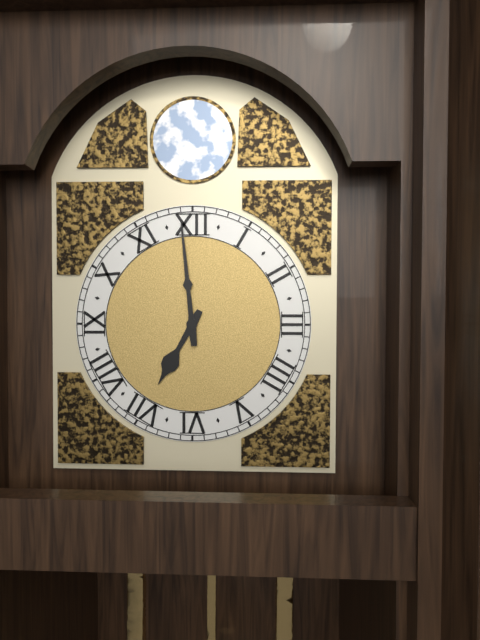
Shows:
6:59
